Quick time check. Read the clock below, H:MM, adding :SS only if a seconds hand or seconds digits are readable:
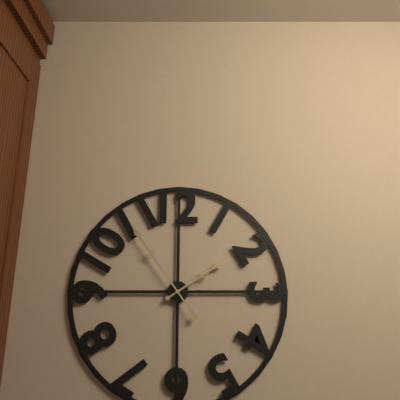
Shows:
1:54
